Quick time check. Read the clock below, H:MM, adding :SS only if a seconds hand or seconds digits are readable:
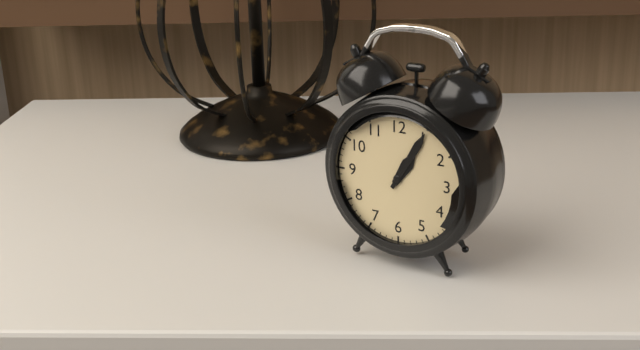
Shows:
1:05
